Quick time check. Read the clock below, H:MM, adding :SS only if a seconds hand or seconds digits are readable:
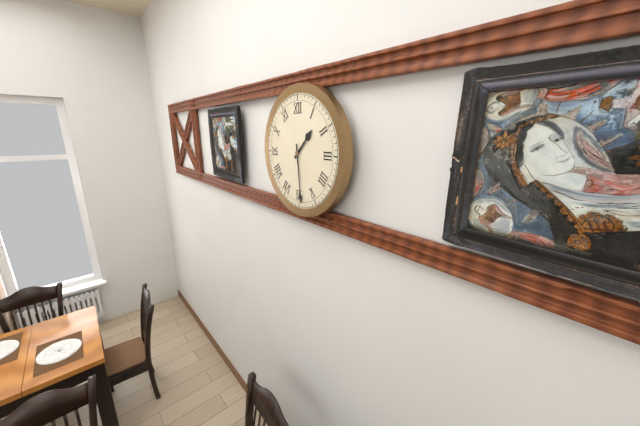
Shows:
1:29
